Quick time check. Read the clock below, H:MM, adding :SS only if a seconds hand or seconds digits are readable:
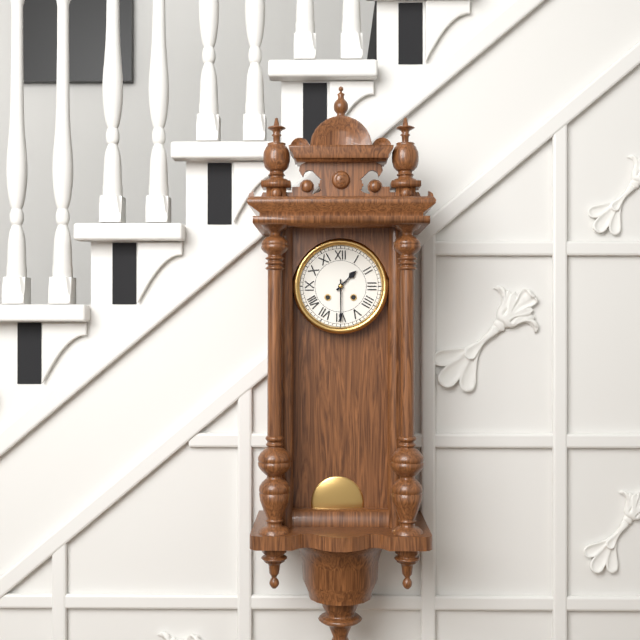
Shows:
1:30
